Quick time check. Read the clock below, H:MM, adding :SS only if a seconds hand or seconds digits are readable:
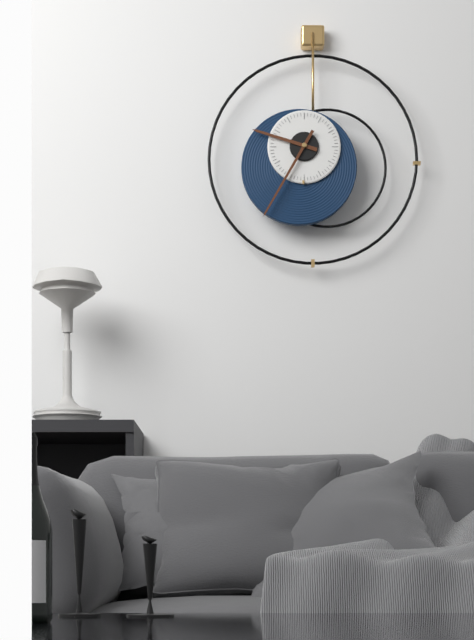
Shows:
9:35
